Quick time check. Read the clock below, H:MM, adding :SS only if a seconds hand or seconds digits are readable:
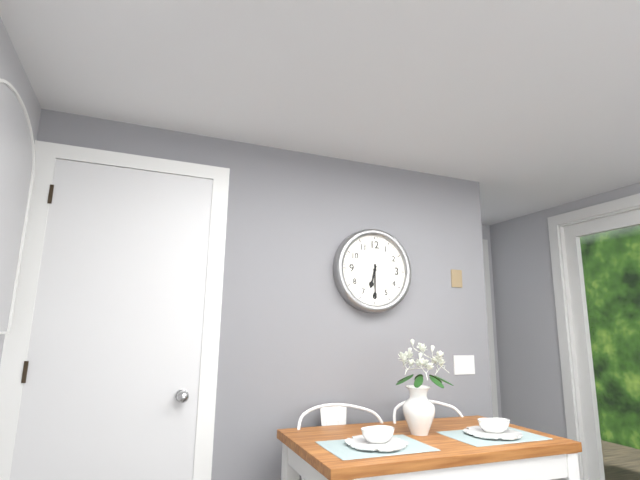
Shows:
6:30
